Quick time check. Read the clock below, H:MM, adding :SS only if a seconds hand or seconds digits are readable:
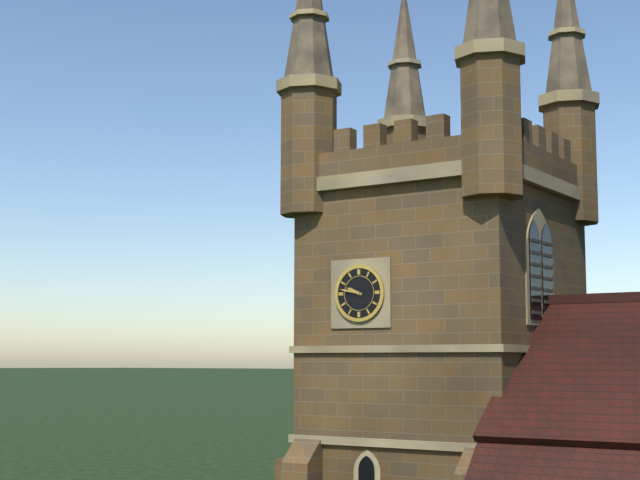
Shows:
9:47
